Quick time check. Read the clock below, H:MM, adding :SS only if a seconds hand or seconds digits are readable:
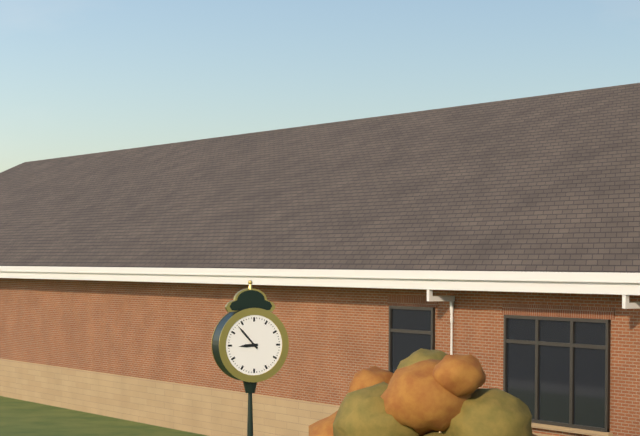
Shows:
8:53
